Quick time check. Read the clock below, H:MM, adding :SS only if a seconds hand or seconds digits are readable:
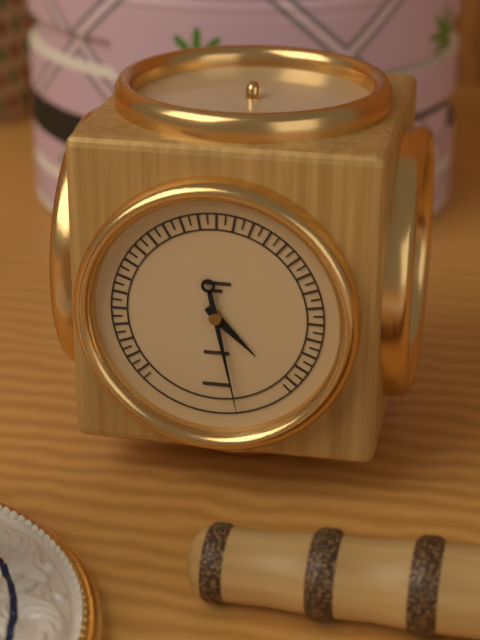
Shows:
4:28
